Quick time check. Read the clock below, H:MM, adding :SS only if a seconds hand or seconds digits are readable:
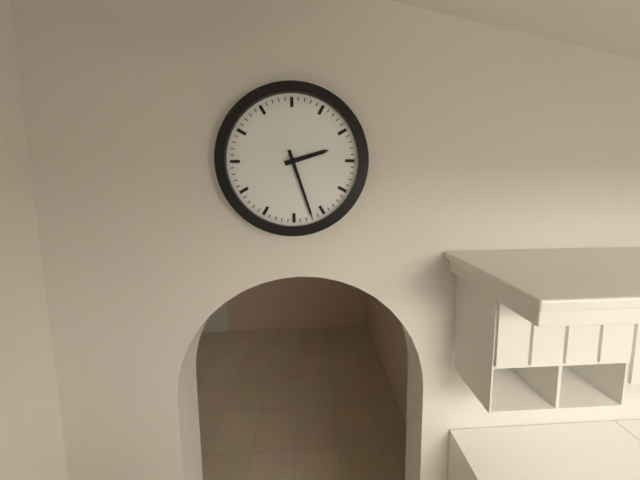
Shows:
2:27
